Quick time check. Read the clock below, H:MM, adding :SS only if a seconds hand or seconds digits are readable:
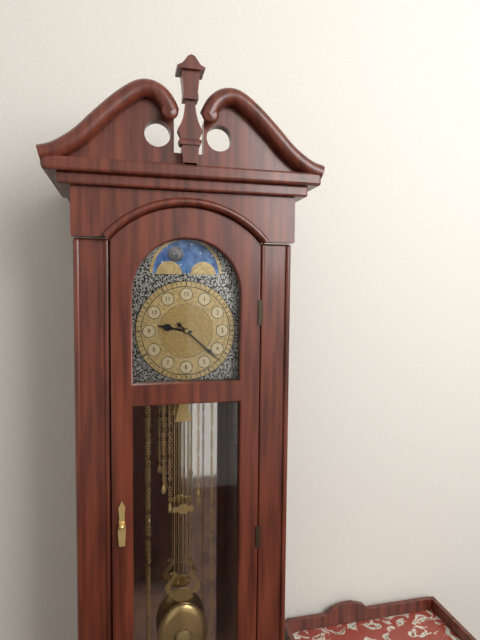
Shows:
9:22
